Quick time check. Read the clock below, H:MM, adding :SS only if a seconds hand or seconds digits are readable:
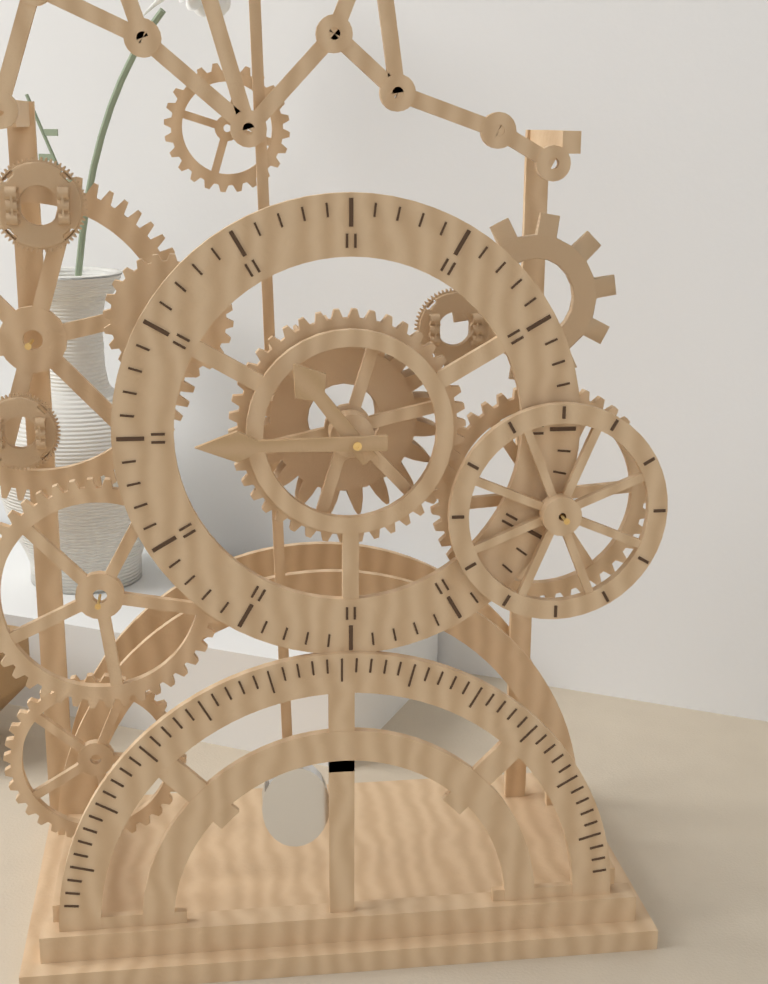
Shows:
10:45
